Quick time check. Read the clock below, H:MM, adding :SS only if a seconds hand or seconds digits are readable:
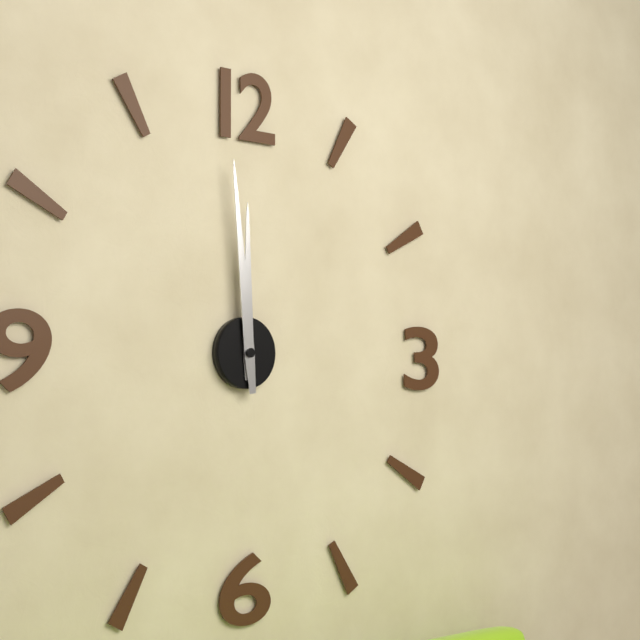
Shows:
11:59
